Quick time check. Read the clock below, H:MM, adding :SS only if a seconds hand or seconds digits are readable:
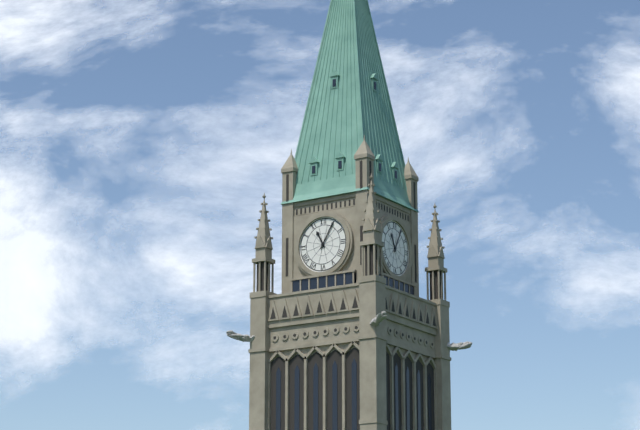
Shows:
11:05
